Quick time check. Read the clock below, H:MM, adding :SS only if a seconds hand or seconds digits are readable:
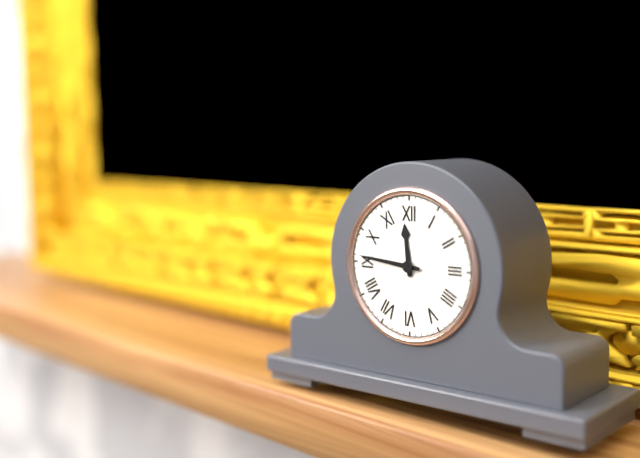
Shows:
11:46
